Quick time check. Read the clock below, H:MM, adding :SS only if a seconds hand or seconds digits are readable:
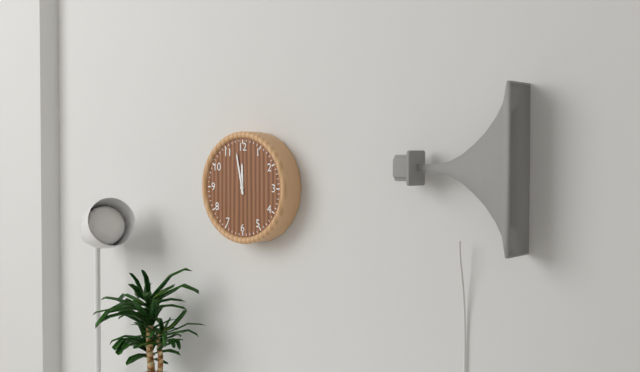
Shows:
11:58
